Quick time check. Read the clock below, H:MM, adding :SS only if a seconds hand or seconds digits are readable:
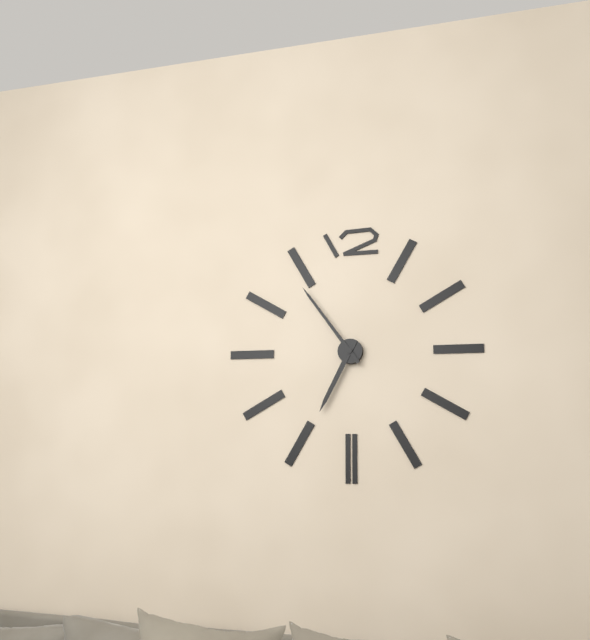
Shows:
6:54
